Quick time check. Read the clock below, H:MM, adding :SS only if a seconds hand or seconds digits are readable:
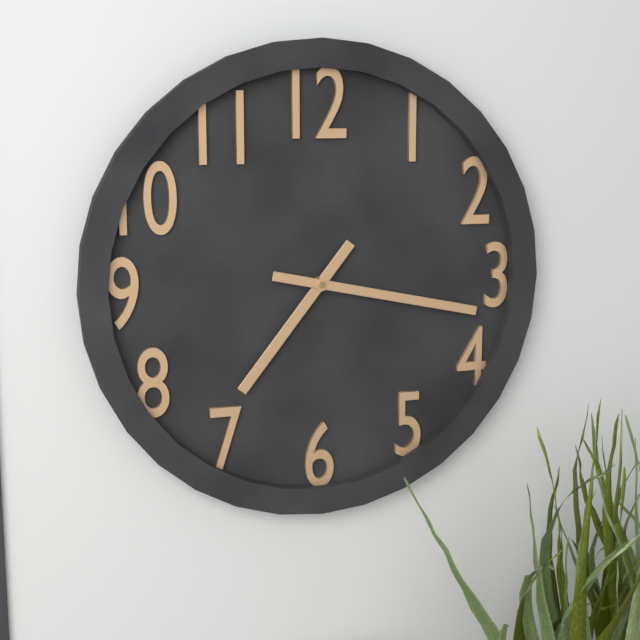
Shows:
7:17
